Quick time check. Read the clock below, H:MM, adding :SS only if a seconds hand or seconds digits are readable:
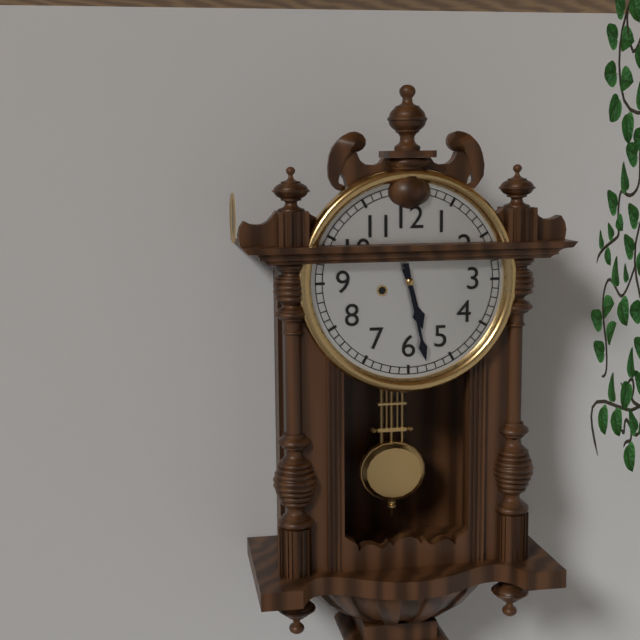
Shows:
5:28
